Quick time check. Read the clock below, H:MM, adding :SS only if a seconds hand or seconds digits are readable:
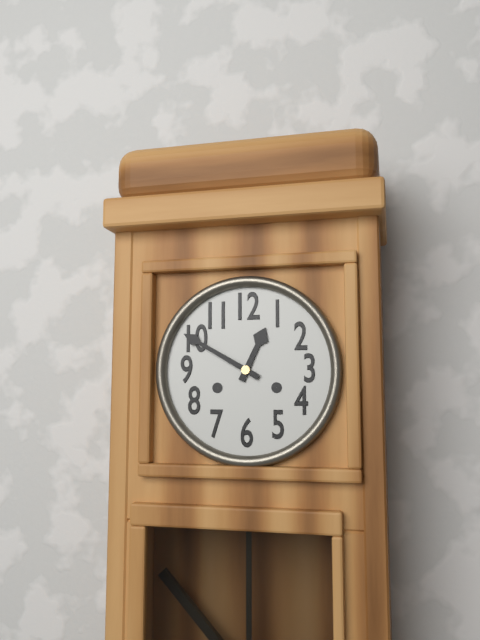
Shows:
12:50
